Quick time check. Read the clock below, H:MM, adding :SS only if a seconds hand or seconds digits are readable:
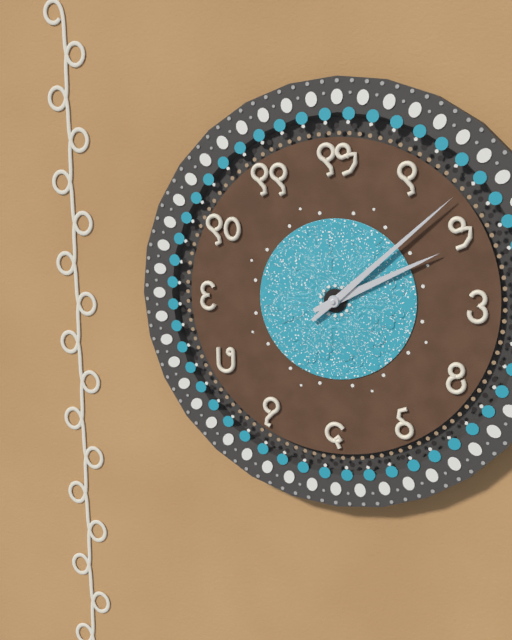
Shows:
2:08
